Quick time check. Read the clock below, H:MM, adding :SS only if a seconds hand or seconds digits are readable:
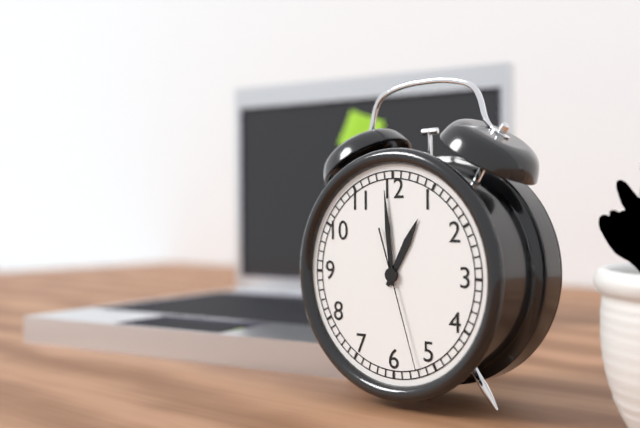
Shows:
12:59:27
